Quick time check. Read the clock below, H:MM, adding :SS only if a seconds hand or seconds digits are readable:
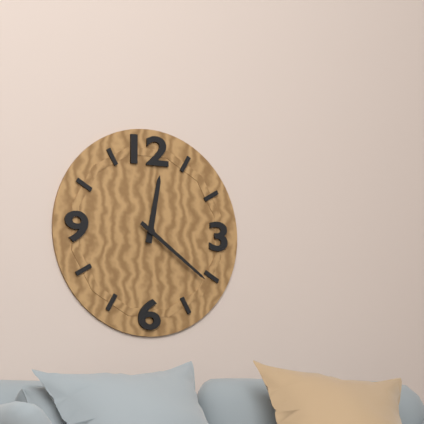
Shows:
12:21
